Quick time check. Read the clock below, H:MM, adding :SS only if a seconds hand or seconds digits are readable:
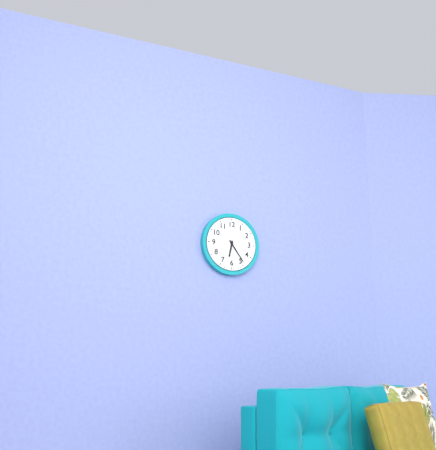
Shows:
6:24
